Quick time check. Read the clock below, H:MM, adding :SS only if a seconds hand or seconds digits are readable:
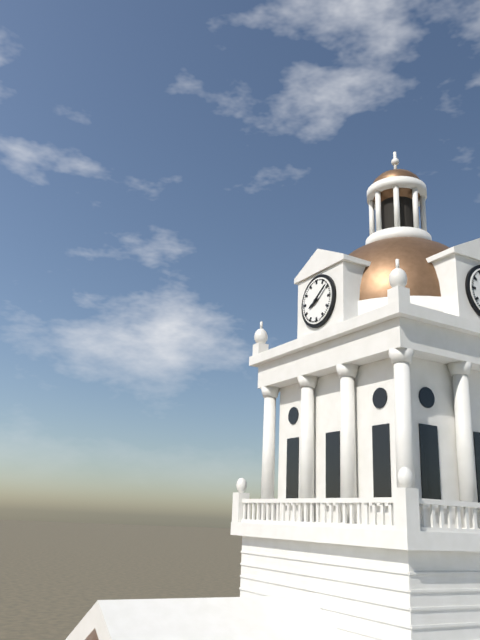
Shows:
8:09
